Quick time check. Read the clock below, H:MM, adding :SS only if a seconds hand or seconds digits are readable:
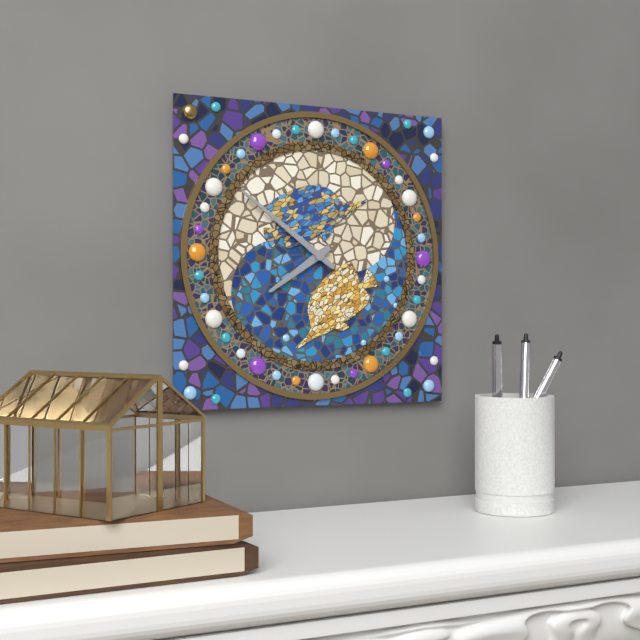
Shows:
7:51
